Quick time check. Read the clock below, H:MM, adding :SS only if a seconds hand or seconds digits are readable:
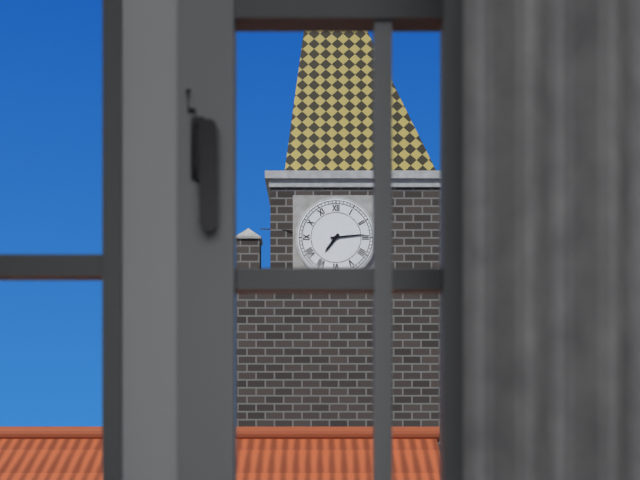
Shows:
7:14
